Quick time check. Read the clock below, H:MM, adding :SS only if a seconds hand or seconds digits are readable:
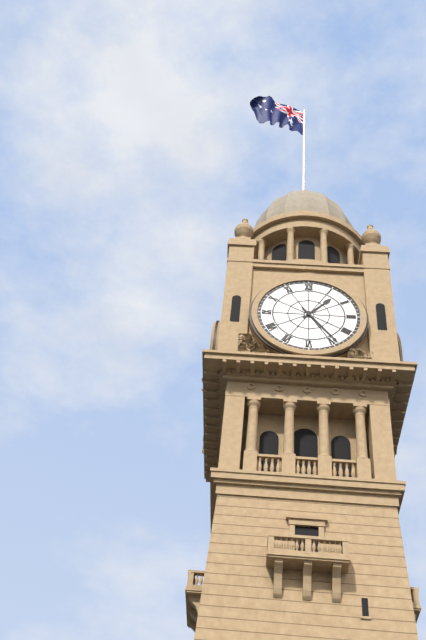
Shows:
1:24
